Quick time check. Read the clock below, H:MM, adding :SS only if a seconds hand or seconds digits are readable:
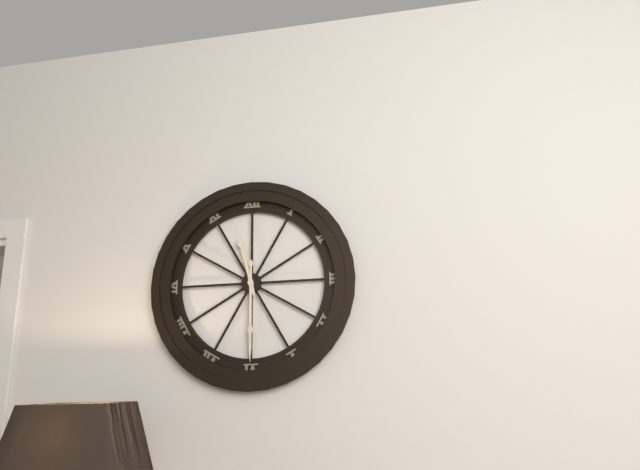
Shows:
11:30
